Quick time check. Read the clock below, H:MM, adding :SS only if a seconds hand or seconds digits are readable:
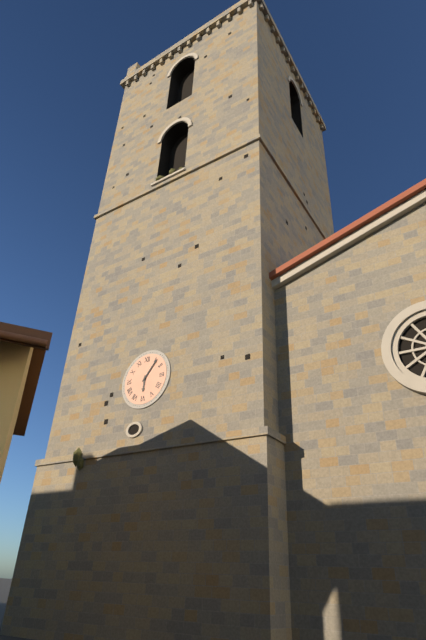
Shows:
6:06
